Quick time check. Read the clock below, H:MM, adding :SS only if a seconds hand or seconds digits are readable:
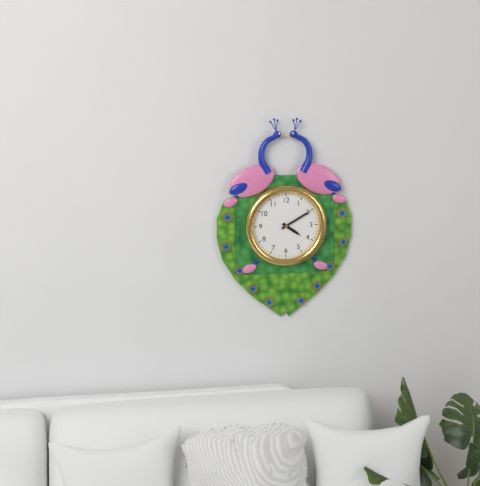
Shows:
4:10
